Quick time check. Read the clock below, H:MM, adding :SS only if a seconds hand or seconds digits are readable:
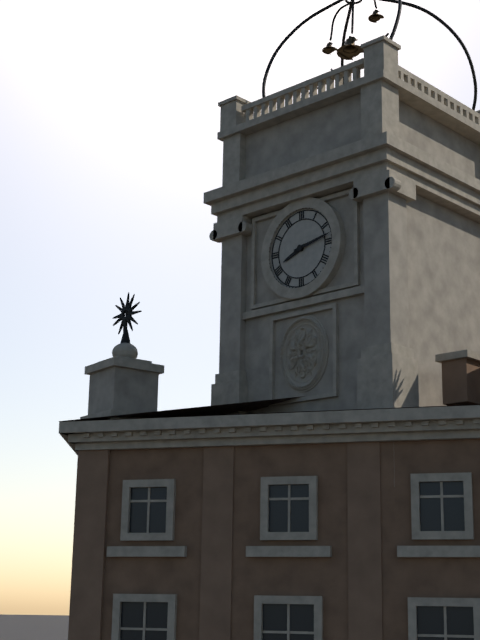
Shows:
8:13
